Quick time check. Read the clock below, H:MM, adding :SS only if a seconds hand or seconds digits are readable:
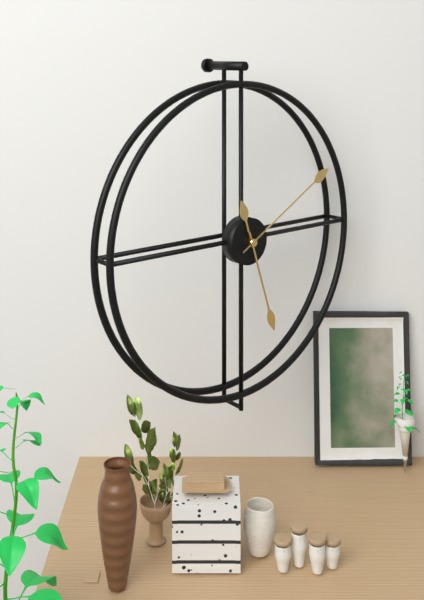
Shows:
11:27:10
